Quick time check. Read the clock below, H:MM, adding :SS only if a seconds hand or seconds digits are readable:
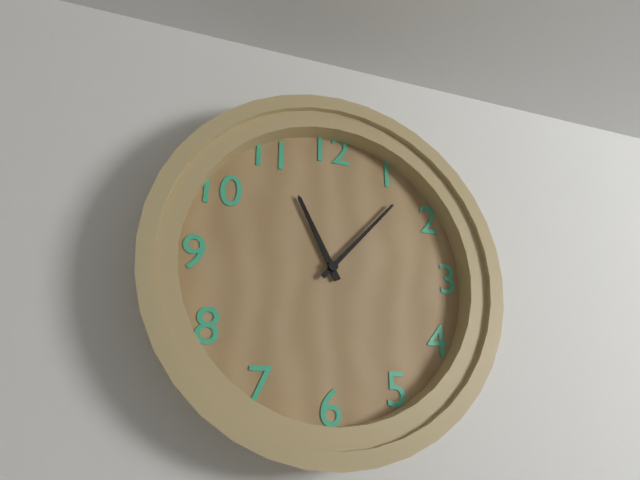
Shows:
11:07
